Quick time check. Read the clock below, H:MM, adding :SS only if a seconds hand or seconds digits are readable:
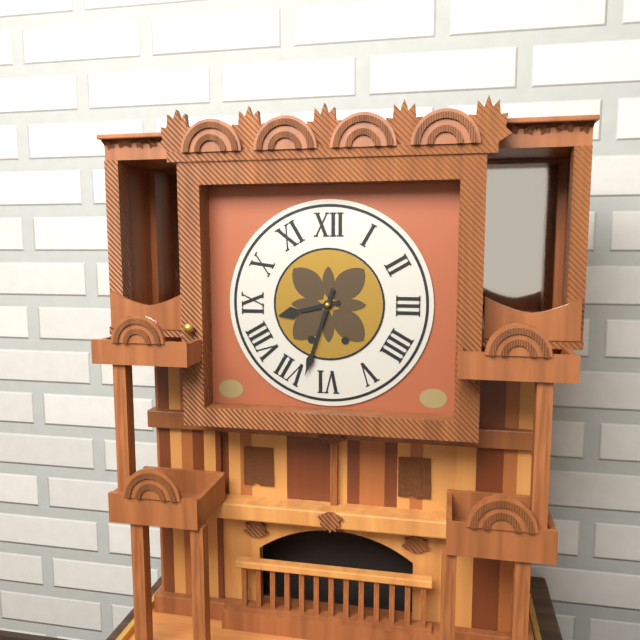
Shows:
8:33
